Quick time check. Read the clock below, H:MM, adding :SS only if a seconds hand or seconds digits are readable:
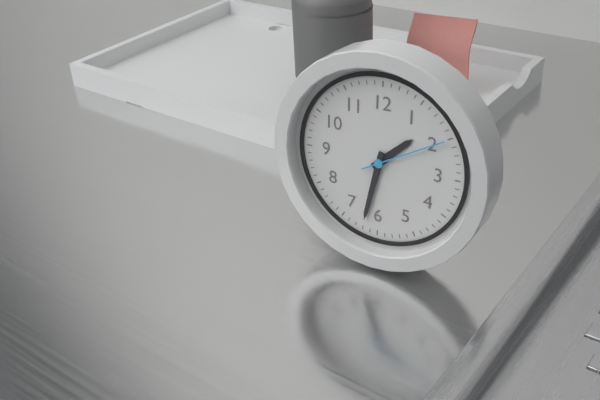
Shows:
1:32:10
